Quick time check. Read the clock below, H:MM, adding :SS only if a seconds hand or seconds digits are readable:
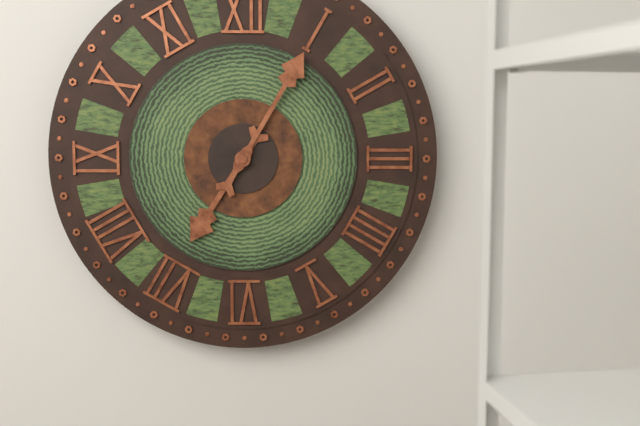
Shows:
7:05
